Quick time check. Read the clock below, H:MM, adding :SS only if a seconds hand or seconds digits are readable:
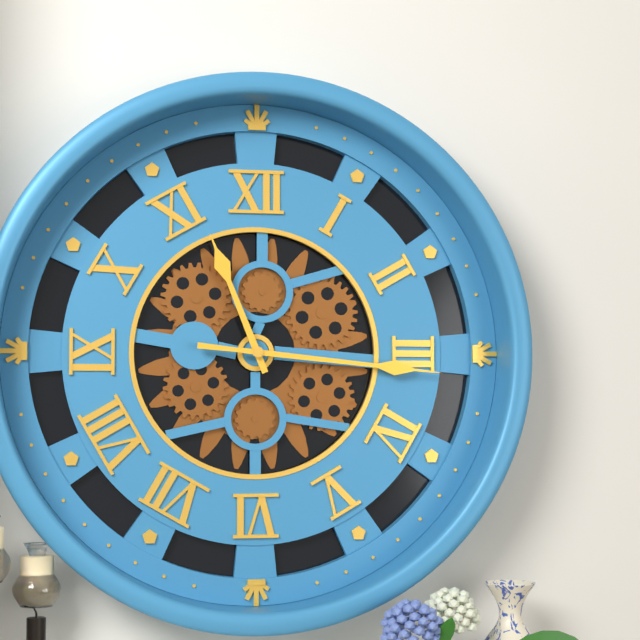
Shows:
11:16
